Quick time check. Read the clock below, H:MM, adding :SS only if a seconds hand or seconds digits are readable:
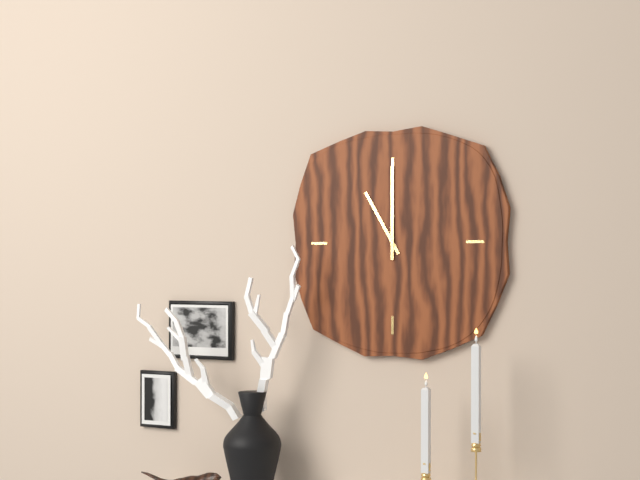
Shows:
11:00
